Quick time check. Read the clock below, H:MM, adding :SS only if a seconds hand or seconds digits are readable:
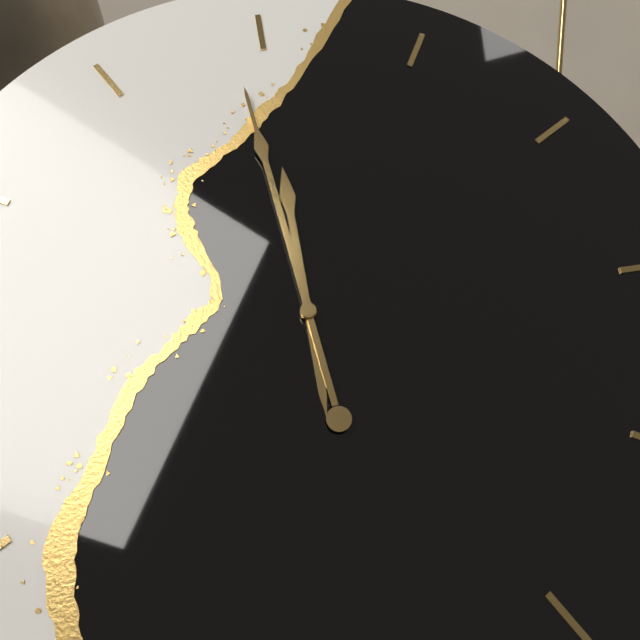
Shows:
11:59
